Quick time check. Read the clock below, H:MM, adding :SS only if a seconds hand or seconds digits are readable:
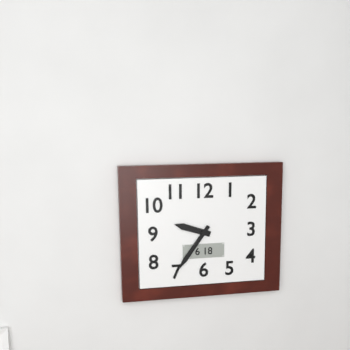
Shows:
9:36
